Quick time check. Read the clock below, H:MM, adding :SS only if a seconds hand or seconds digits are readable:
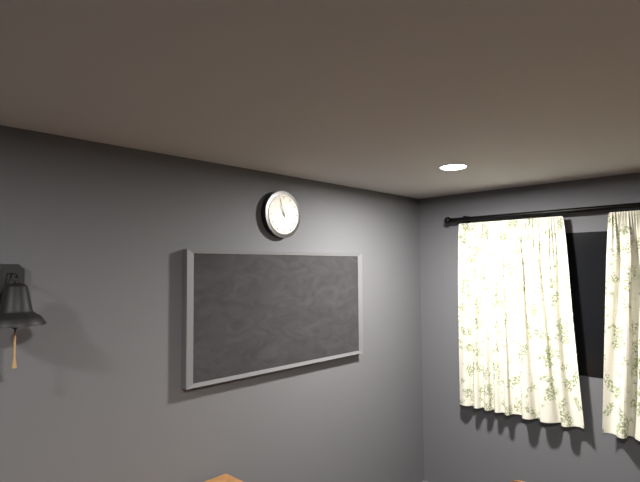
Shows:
10:57
